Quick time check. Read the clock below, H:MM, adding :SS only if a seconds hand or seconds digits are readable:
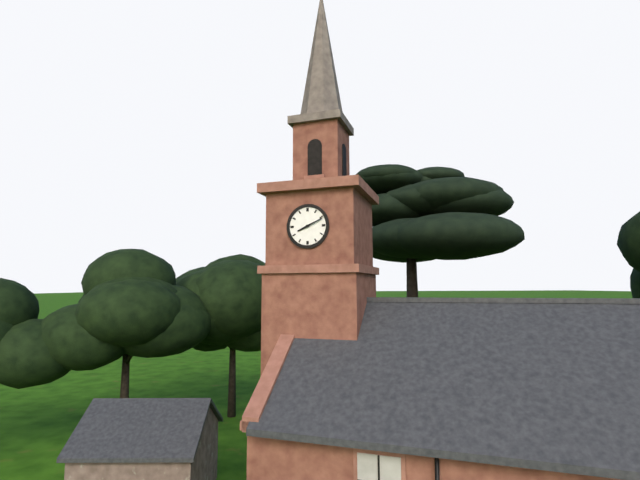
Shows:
8:11
